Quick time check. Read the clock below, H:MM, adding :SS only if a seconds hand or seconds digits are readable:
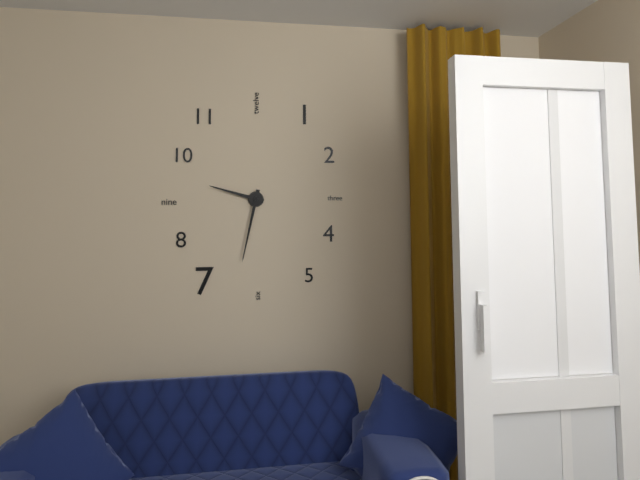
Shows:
9:32
